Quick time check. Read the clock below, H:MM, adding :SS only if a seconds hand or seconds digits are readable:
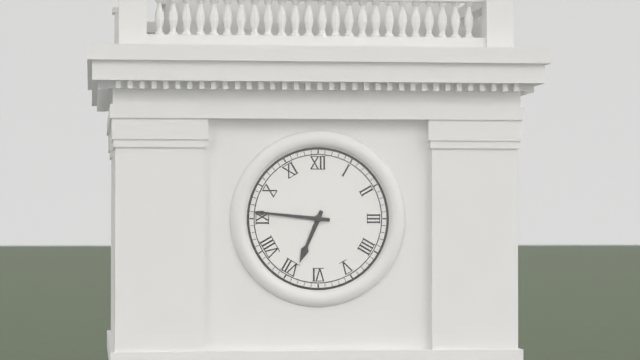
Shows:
6:46
